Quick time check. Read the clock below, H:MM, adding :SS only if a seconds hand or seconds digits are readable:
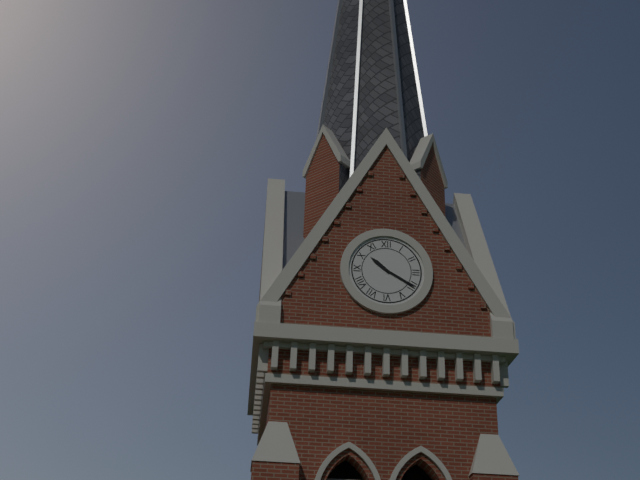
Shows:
10:20
